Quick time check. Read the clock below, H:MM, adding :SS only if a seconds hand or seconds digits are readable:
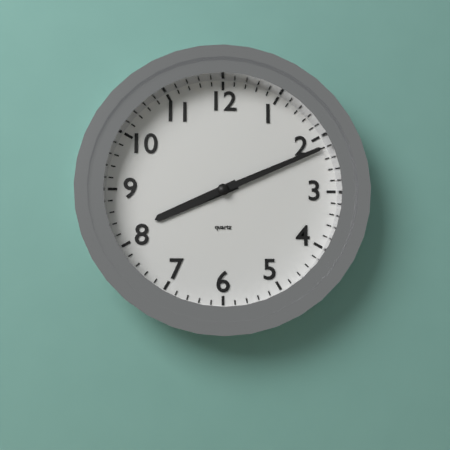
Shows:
8:11
